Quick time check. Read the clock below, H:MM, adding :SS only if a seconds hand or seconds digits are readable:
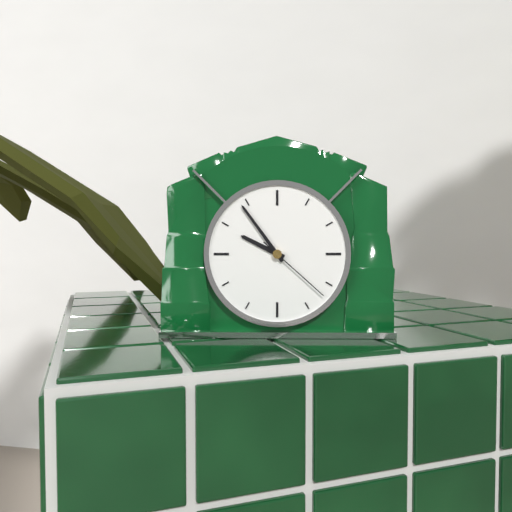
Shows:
9:54:22
